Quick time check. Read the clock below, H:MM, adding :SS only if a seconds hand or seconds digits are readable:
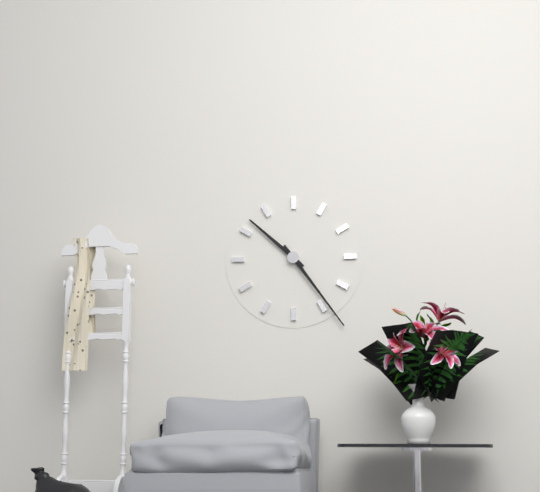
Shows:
10:24
